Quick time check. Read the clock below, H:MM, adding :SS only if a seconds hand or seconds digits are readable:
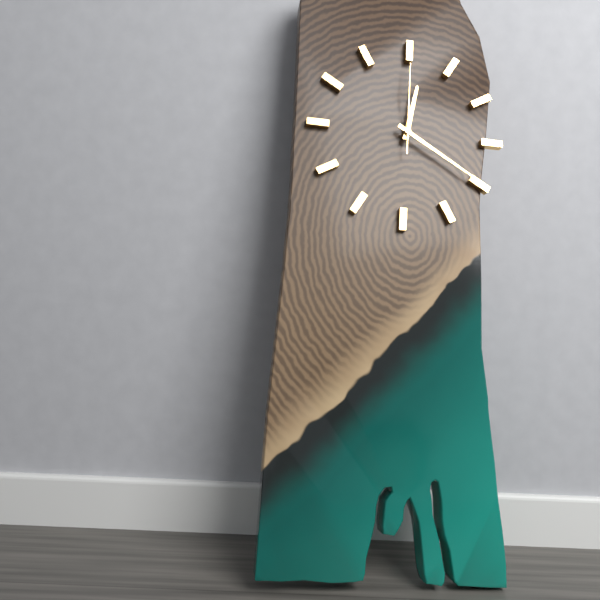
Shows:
12:20:00
